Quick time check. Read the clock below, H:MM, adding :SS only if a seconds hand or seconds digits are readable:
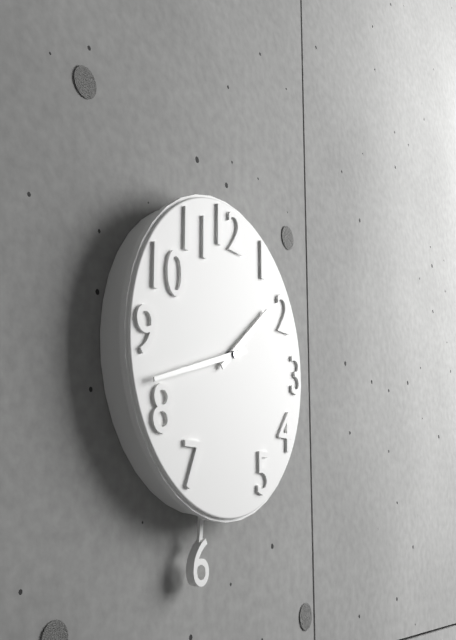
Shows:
1:42
